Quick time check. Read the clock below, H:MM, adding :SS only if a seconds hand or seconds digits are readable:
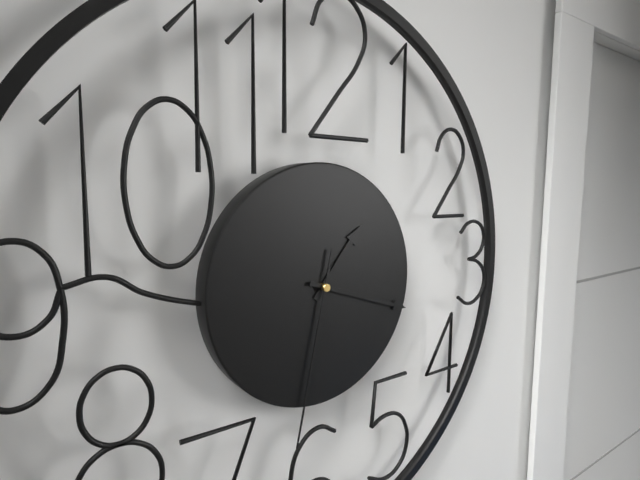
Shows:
1:18:32
